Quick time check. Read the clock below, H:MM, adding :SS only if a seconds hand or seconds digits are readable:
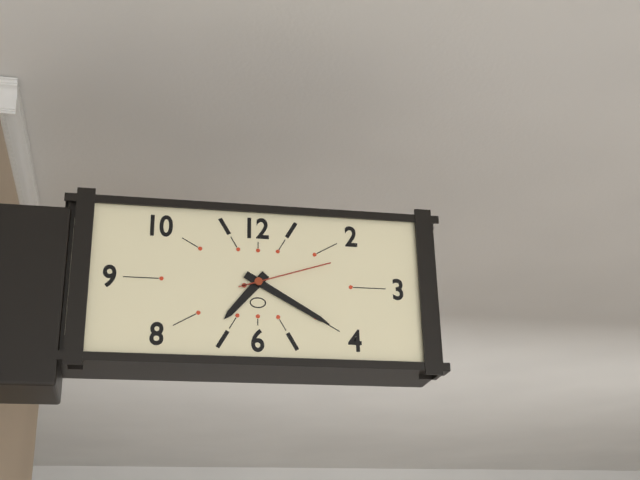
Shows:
7:20:12
